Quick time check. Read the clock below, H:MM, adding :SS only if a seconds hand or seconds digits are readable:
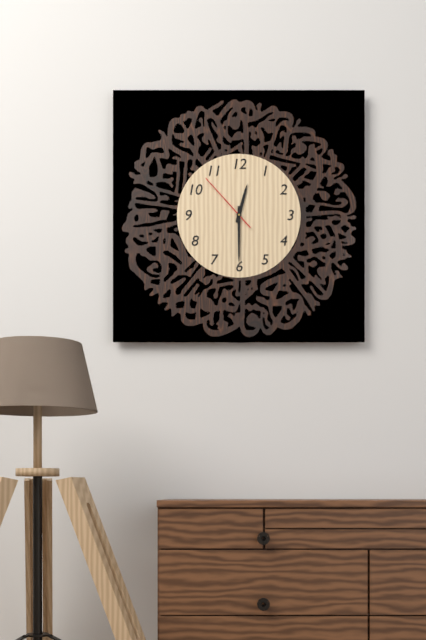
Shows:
12:30:53
